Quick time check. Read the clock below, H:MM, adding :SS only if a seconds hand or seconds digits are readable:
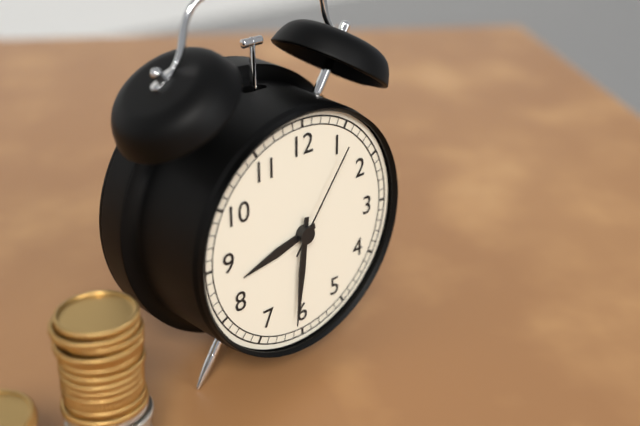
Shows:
8:31:06
